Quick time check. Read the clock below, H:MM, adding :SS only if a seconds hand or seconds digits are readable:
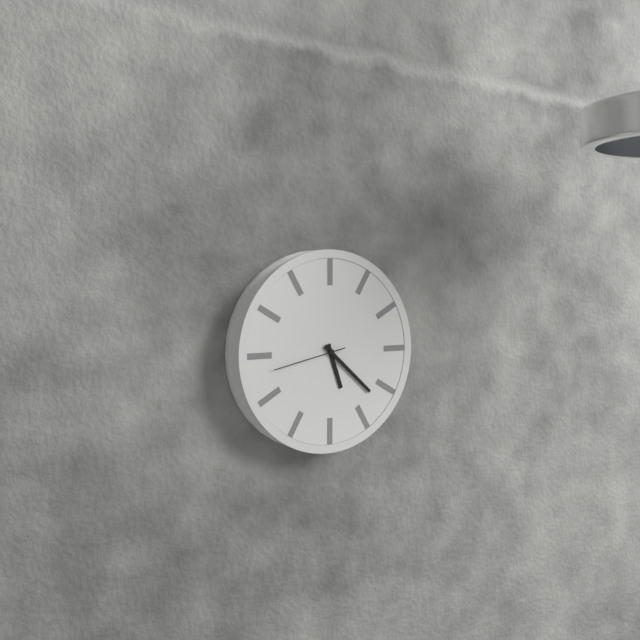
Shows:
5:22:43
